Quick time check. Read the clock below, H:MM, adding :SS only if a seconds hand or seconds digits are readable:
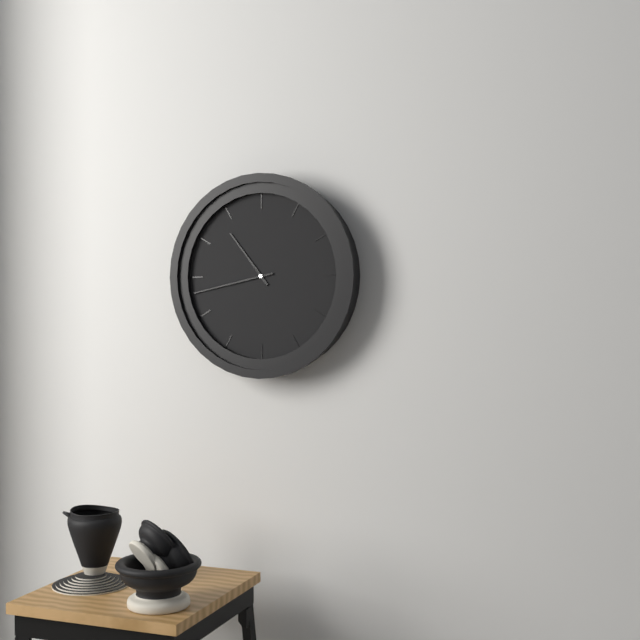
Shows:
10:43
